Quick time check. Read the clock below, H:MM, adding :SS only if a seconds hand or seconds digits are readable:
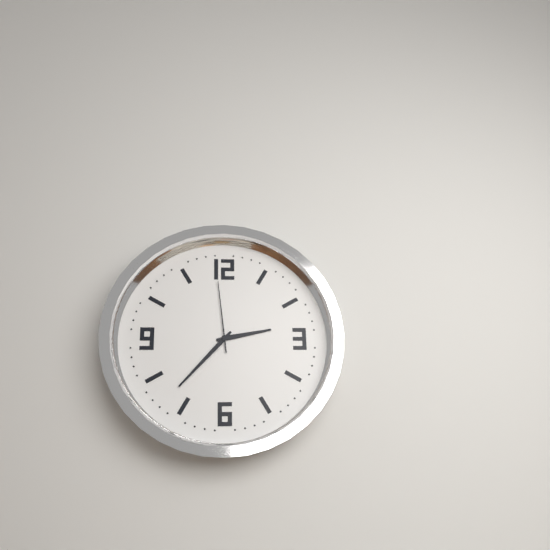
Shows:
2:37:59
